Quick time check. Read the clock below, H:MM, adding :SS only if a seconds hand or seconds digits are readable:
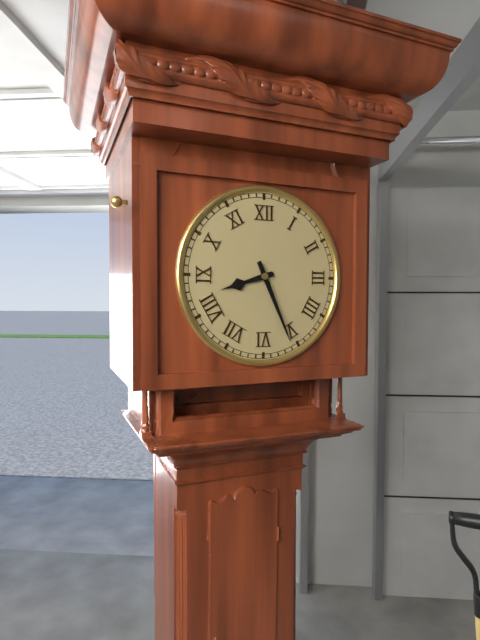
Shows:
8:26
